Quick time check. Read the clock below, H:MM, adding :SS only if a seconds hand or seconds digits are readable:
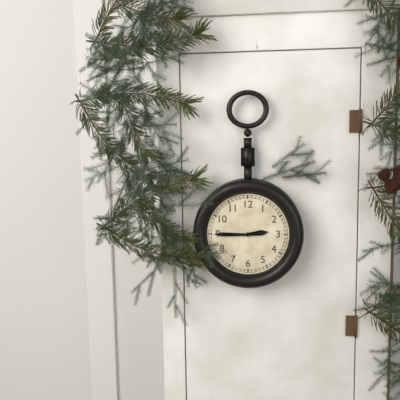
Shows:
2:45
